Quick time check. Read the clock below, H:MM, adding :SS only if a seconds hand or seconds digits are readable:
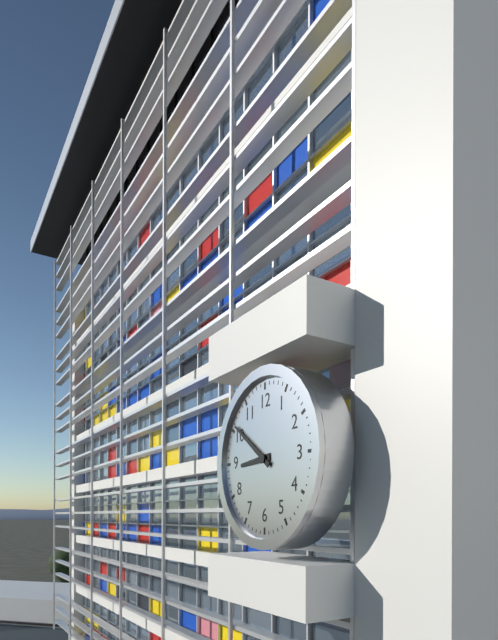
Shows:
8:51
